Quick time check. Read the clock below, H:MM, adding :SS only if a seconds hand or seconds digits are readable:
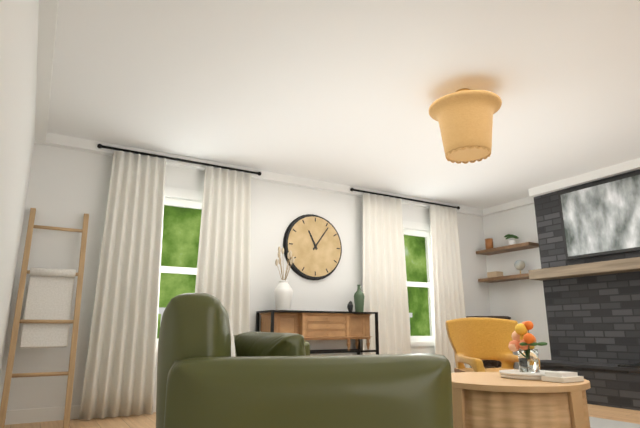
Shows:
11:06
